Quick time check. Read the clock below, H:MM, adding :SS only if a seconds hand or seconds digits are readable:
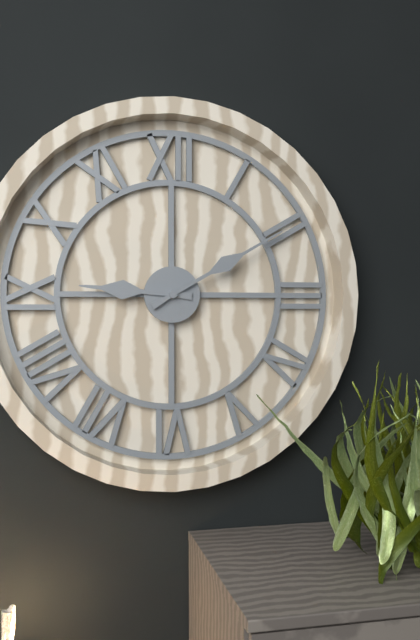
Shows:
9:10
